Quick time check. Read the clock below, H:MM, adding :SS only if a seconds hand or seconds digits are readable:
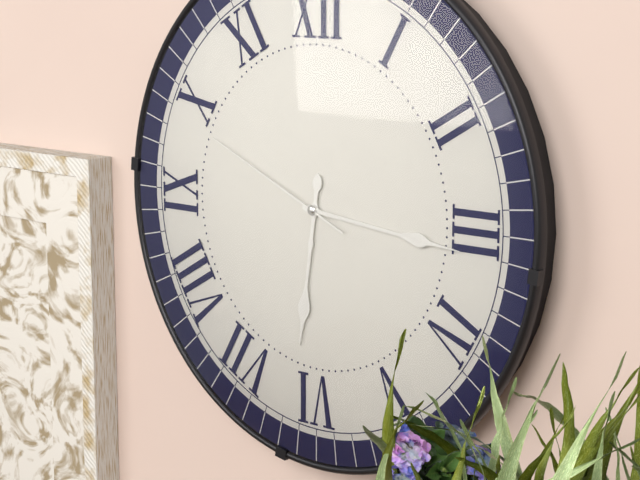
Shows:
6:16:49
